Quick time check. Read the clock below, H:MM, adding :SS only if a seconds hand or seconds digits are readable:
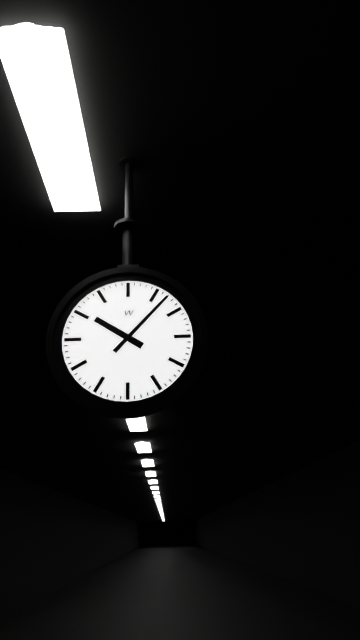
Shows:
10:07
